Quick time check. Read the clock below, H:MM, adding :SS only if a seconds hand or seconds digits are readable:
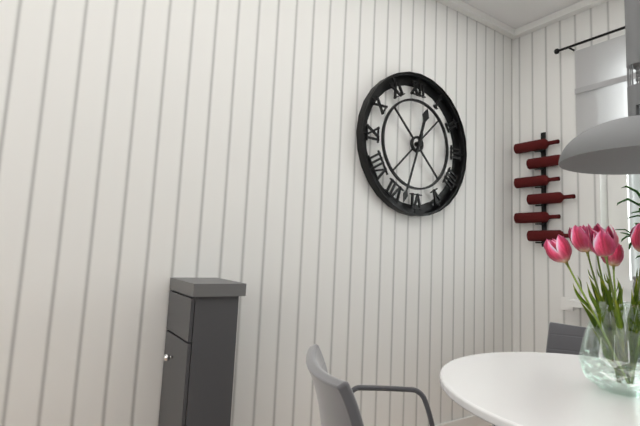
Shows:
12:33
